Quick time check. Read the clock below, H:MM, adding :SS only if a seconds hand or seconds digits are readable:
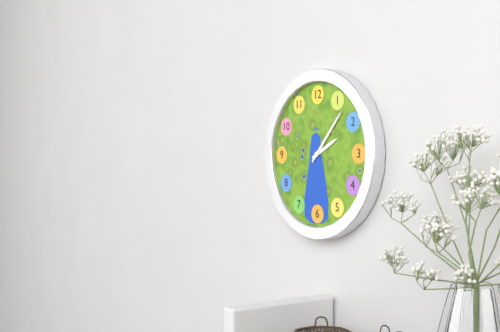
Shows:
2:07
